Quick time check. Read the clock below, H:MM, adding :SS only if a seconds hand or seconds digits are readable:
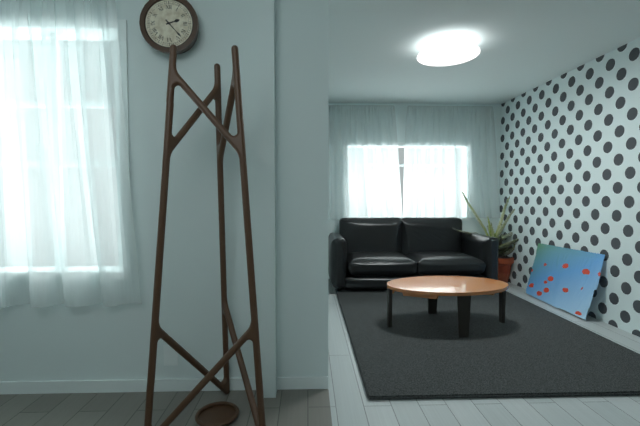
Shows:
2:23
